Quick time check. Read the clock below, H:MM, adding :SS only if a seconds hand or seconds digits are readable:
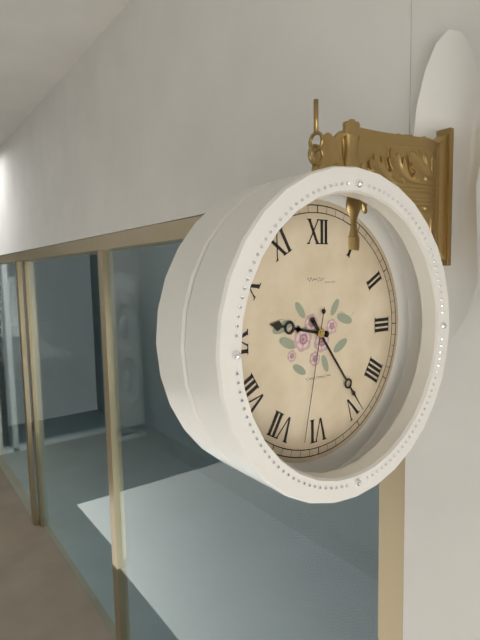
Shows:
9:24:32
